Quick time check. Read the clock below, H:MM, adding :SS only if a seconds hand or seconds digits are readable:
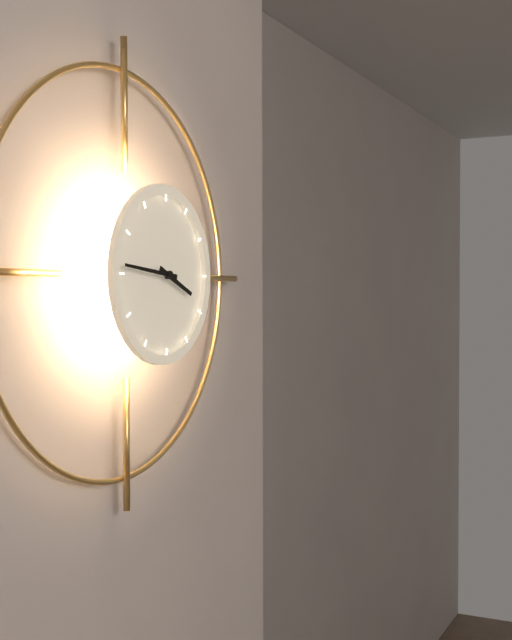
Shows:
3:46
